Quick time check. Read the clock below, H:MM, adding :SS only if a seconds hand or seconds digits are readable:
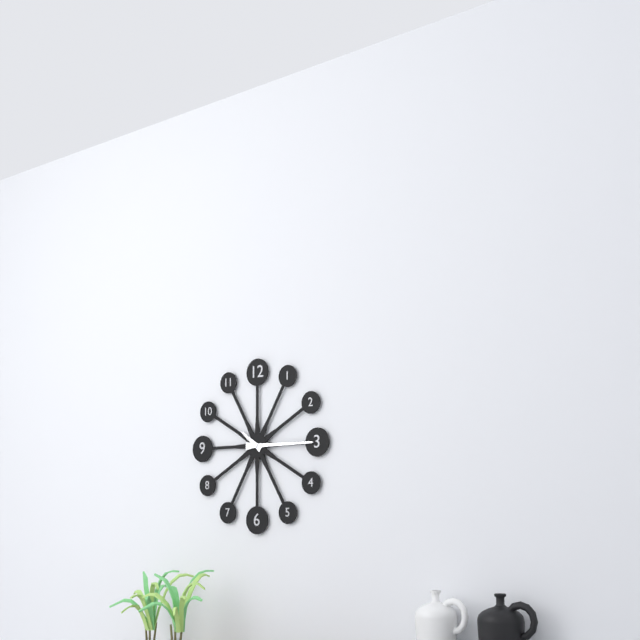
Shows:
10:15
